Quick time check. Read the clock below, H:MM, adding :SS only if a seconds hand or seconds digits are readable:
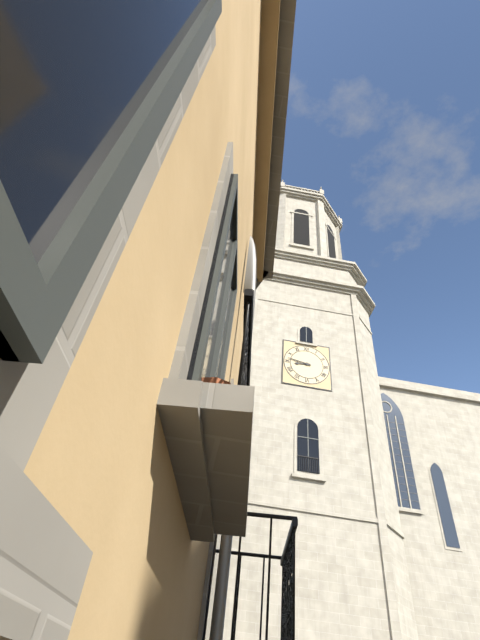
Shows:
8:47
